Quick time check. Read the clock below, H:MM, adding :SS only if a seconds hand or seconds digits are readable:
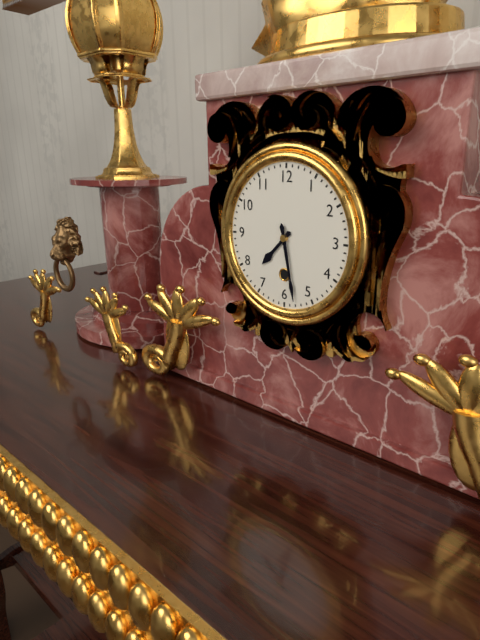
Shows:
7:28
